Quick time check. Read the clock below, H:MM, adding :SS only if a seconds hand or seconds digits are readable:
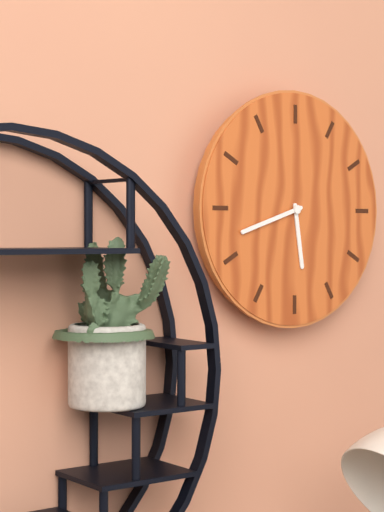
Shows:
5:42
